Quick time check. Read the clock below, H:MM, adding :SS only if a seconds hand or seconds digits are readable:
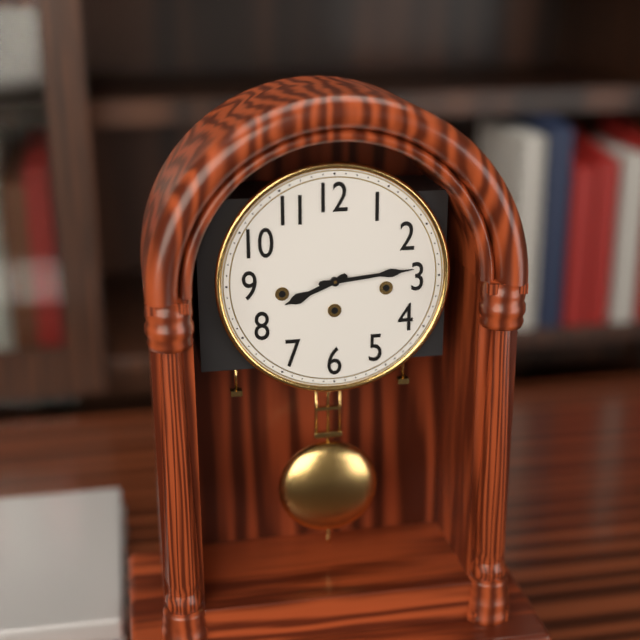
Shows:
8:14
